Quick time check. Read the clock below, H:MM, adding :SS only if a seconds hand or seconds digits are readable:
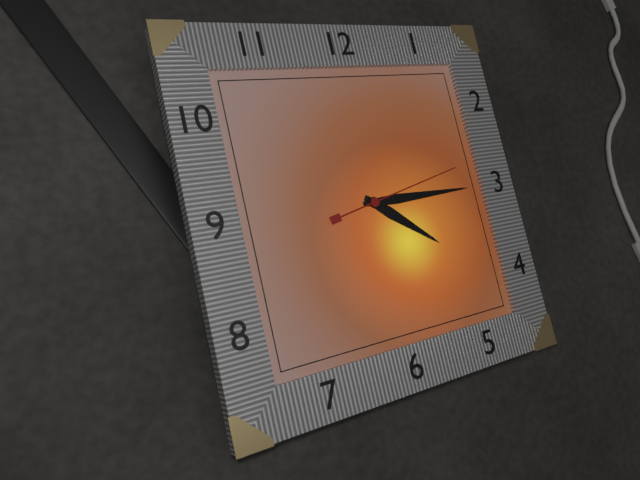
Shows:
4:15:13
